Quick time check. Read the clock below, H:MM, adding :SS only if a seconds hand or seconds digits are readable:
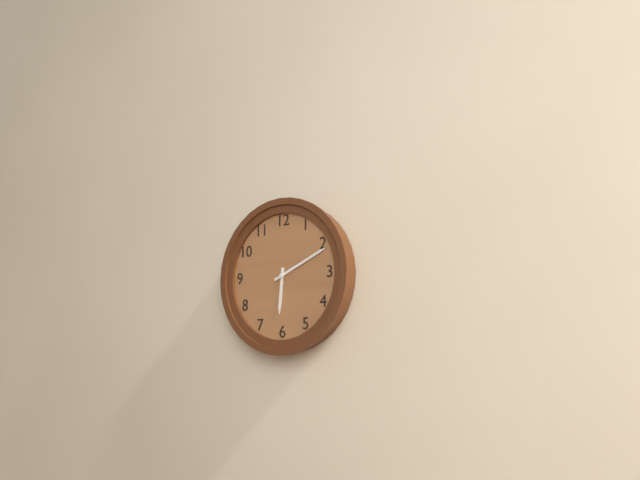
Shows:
6:11
